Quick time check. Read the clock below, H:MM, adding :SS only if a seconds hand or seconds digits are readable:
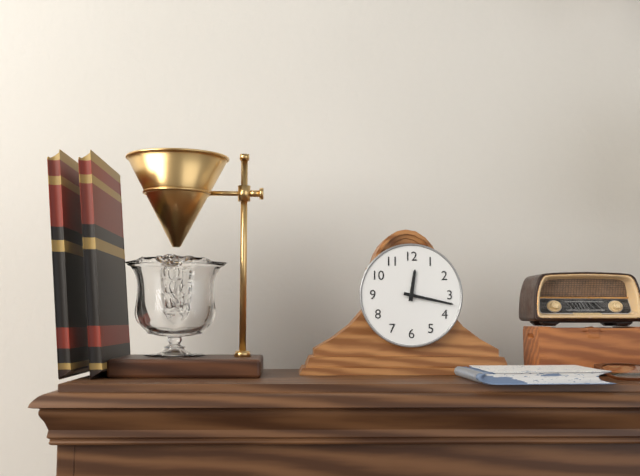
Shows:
12:17
